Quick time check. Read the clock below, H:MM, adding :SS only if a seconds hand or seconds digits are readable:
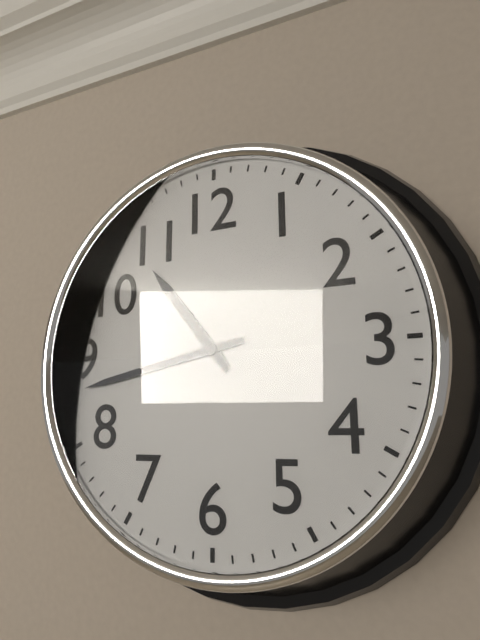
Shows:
10:43
